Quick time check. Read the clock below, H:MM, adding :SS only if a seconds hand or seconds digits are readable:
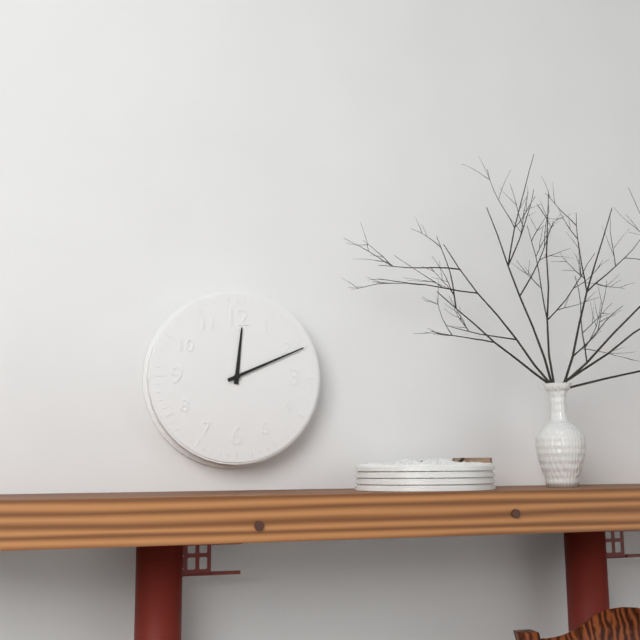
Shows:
12:11
